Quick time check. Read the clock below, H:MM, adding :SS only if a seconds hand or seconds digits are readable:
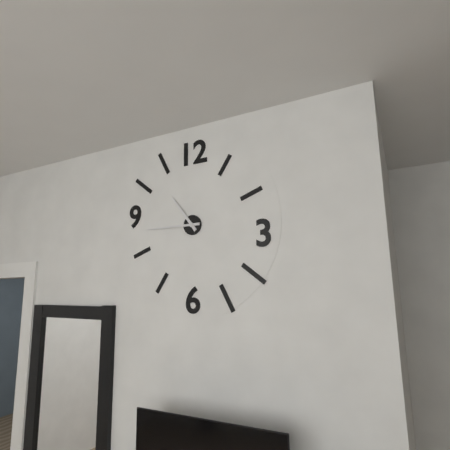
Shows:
10:45
